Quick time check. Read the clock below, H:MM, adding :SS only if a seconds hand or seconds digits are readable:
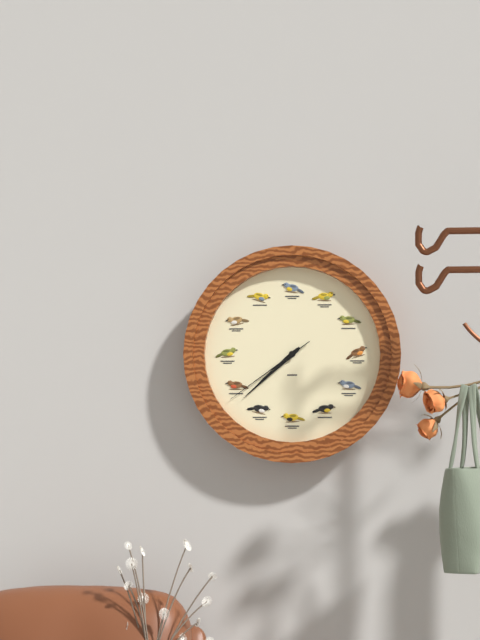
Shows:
7:38:39
